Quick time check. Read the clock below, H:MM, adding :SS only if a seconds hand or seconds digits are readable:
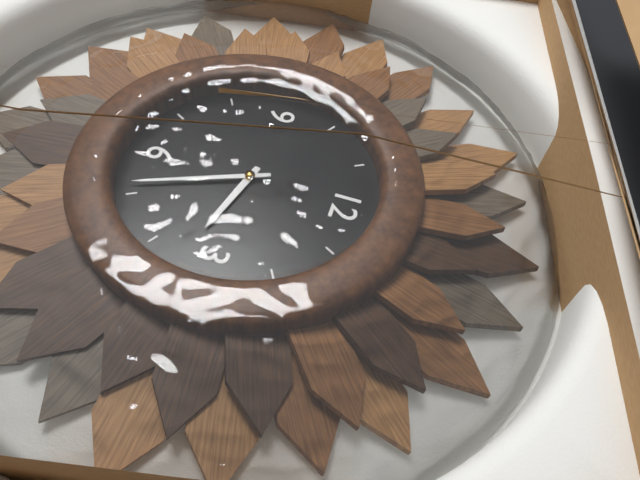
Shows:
3:26
